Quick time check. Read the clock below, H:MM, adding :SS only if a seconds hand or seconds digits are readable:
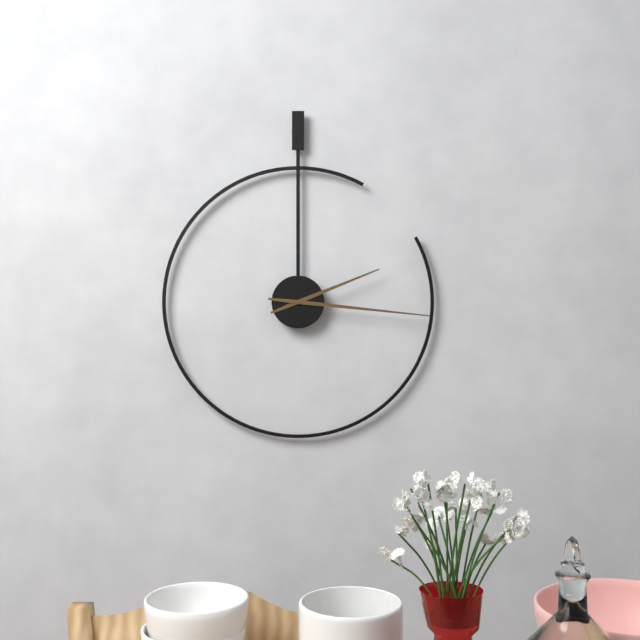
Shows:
2:16
